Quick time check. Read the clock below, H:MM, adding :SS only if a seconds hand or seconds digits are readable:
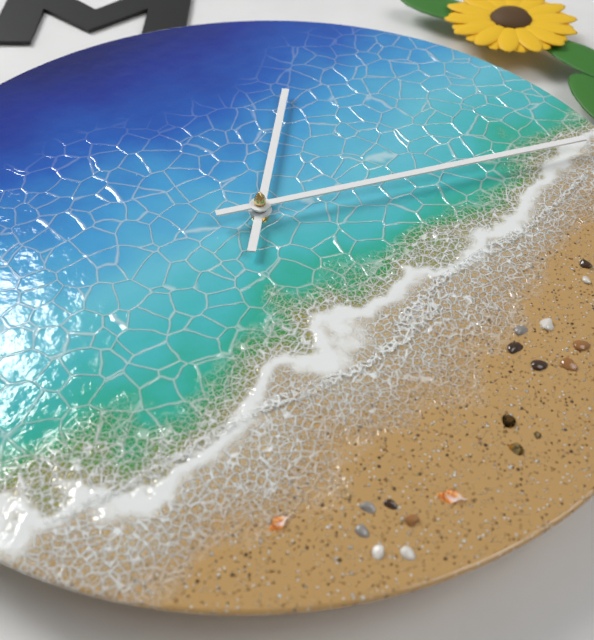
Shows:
12:12
